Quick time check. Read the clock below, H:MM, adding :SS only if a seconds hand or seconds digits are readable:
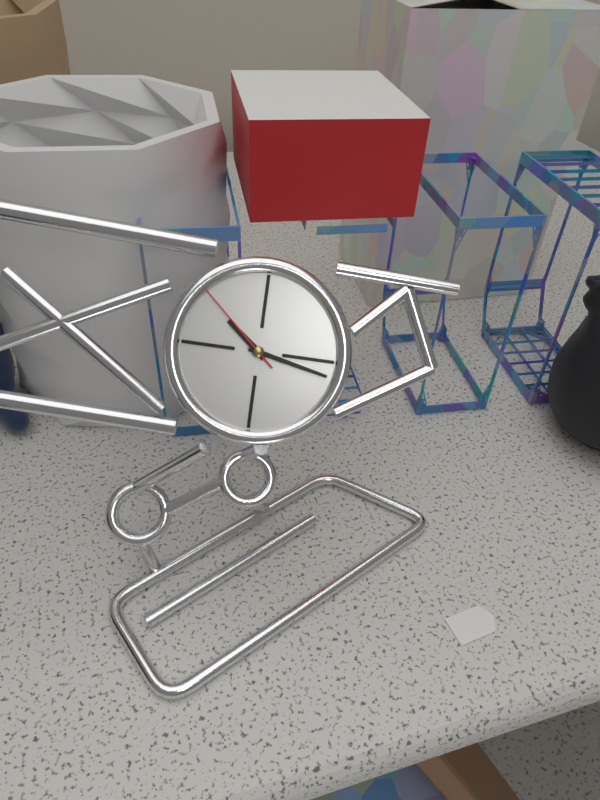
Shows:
10:17:52
